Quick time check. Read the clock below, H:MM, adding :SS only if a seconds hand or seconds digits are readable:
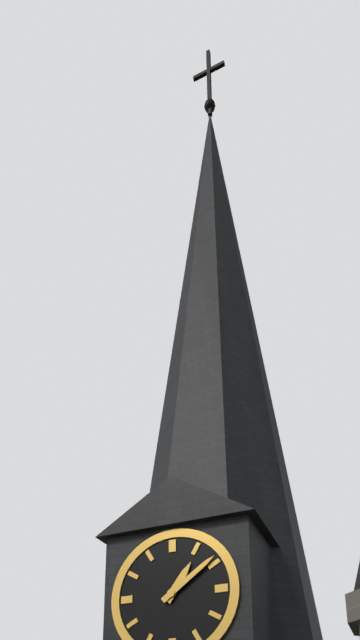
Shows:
1:09
